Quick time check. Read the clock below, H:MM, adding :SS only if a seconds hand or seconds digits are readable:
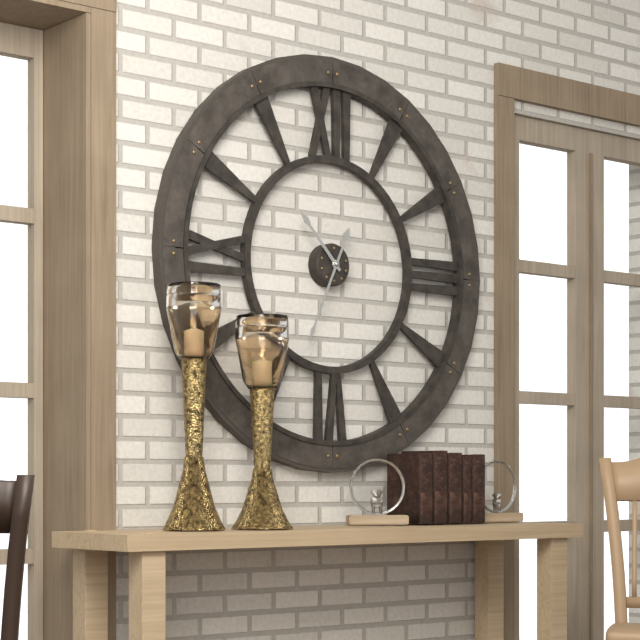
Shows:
10:34
